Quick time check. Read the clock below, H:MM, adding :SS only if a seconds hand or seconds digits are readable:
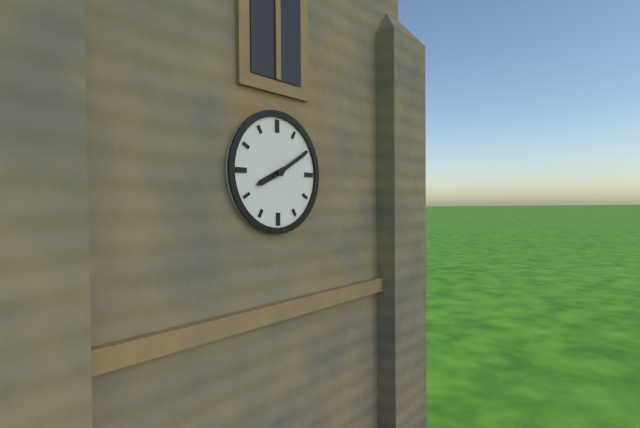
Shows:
8:10
